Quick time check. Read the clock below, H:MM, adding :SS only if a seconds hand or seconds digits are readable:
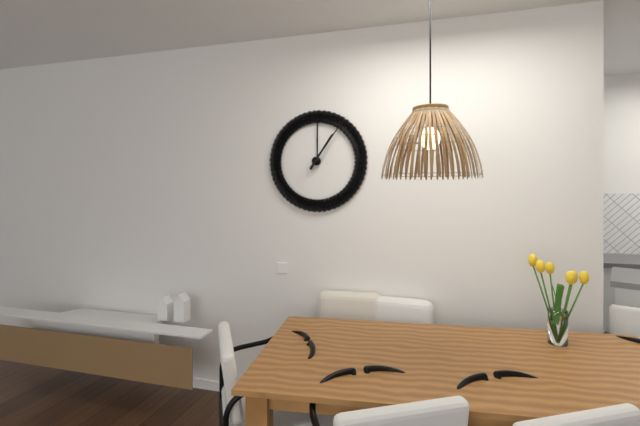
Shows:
1:06
